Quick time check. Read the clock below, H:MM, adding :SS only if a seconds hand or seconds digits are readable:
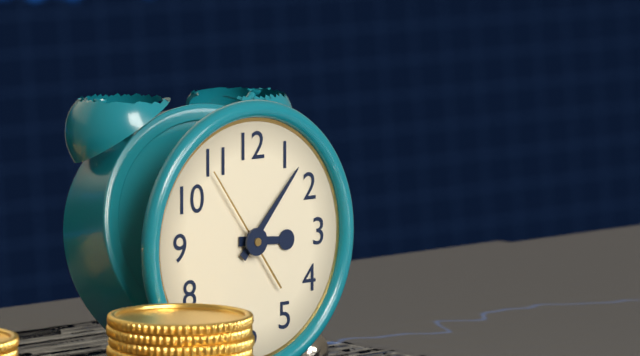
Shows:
3:07:54
